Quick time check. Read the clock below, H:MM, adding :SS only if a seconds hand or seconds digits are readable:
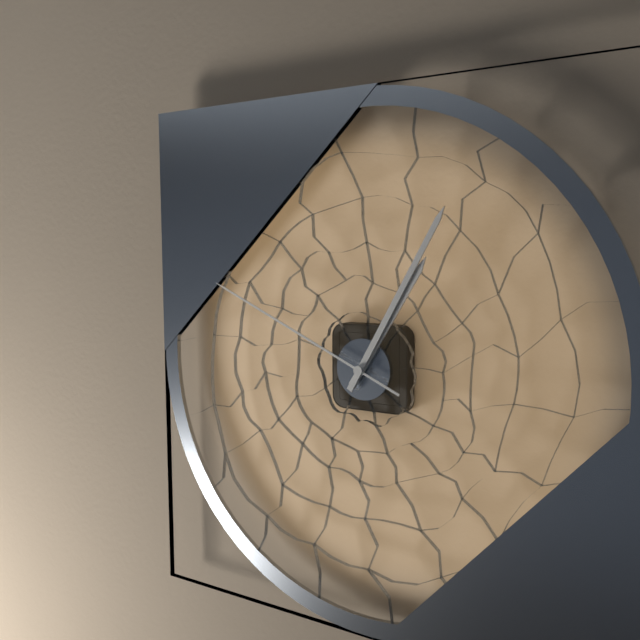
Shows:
1:05:49
